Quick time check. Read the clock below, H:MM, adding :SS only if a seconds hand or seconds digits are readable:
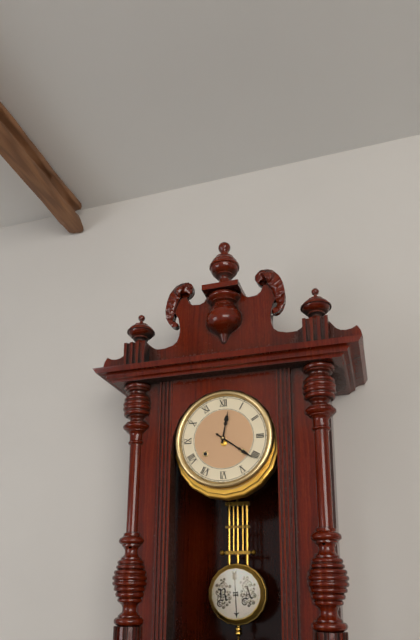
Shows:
12:21
